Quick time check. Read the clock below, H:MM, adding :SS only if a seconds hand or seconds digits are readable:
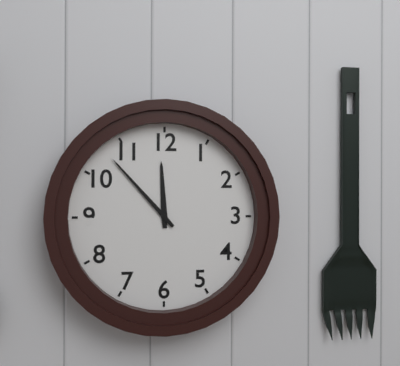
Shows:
11:53
